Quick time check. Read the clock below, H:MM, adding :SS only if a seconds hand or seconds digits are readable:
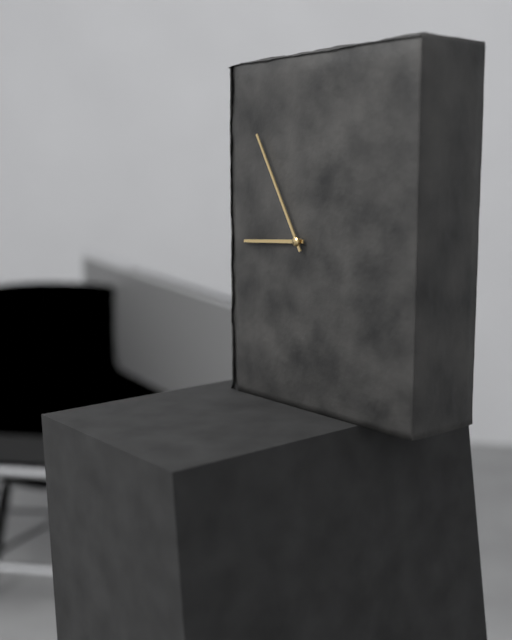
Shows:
8:55
